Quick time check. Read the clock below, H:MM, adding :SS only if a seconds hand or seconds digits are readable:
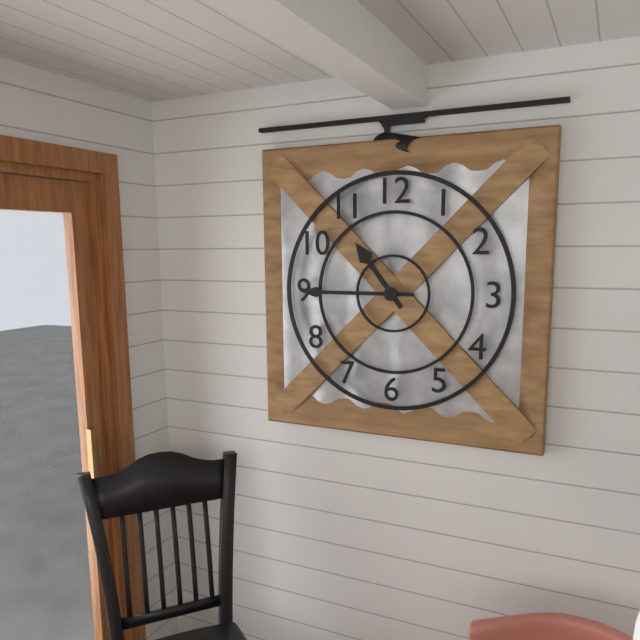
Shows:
10:45
